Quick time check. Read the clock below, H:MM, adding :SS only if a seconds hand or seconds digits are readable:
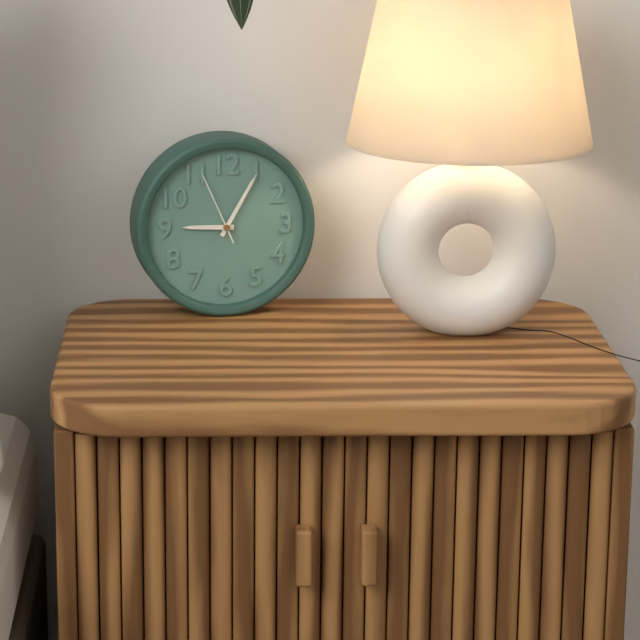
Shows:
9:05:56
